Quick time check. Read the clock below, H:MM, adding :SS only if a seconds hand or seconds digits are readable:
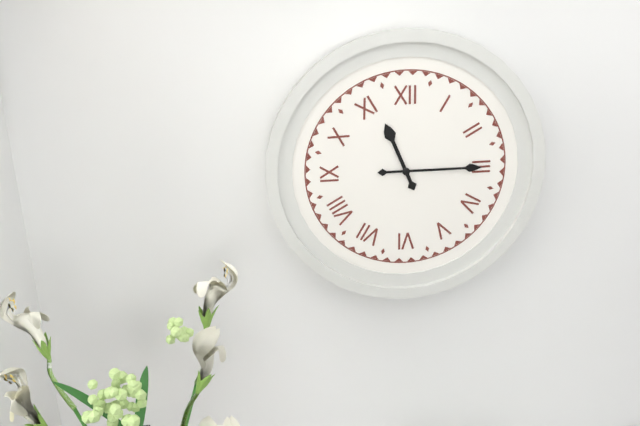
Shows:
11:15
